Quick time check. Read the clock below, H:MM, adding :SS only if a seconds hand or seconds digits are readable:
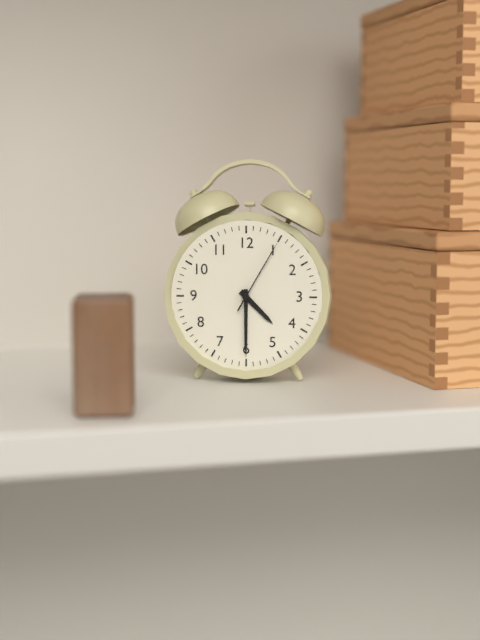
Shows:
4:30:05
